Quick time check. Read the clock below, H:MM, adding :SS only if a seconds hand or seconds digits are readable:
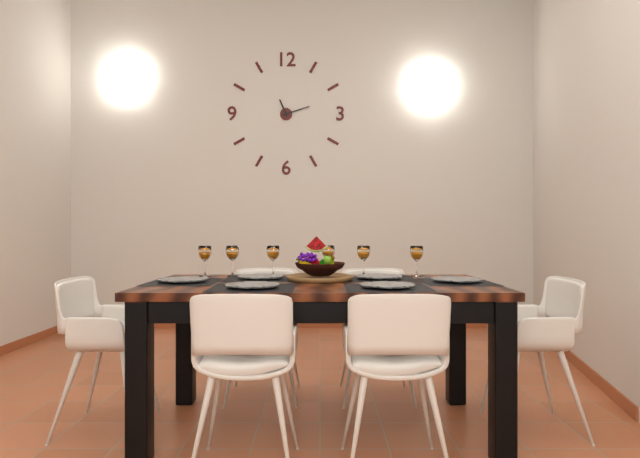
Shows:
11:12
